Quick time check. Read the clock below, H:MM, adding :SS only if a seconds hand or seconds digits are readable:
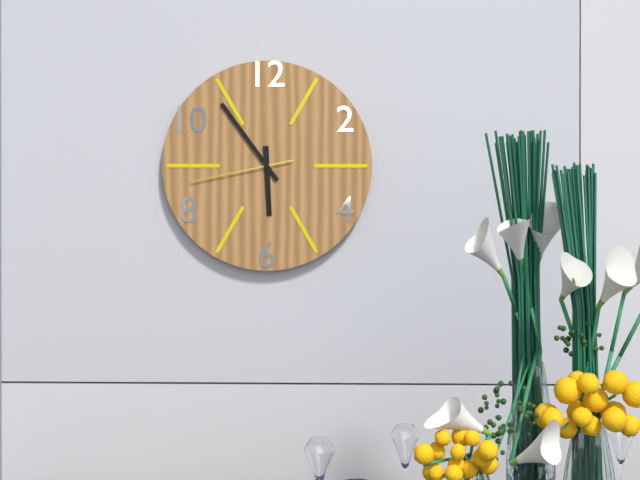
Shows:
5:54:43
